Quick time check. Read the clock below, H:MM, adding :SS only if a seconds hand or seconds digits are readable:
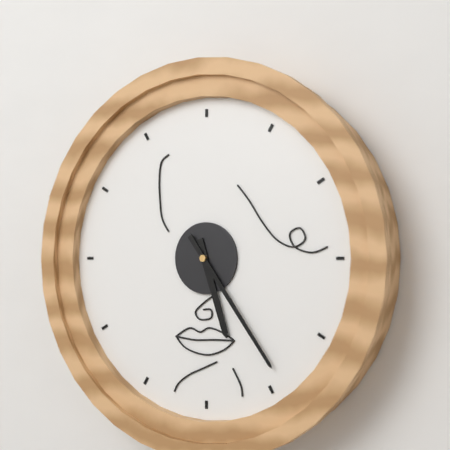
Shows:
5:24
